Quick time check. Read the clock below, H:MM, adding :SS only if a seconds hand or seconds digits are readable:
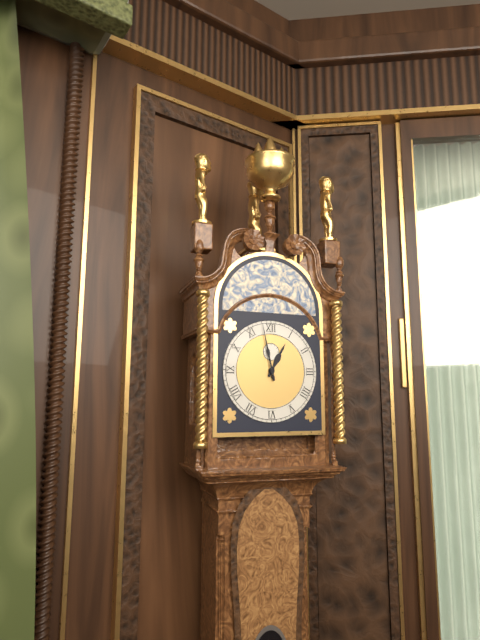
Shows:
12:58
